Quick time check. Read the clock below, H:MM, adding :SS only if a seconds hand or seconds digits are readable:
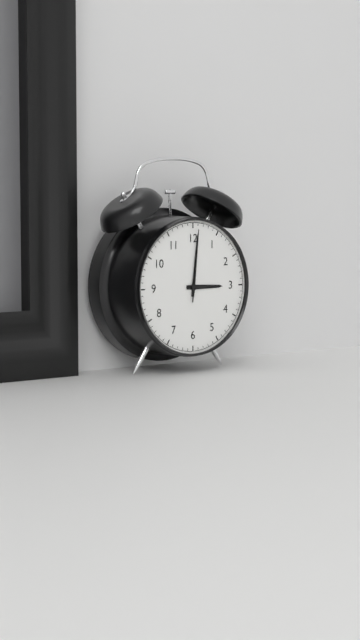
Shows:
3:01:01
